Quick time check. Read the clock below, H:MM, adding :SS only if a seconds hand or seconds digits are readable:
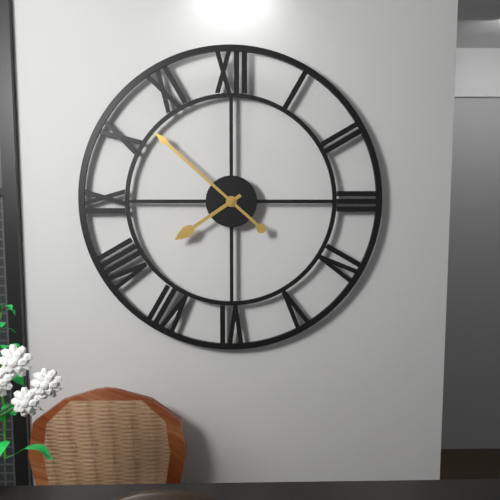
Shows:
7:52
